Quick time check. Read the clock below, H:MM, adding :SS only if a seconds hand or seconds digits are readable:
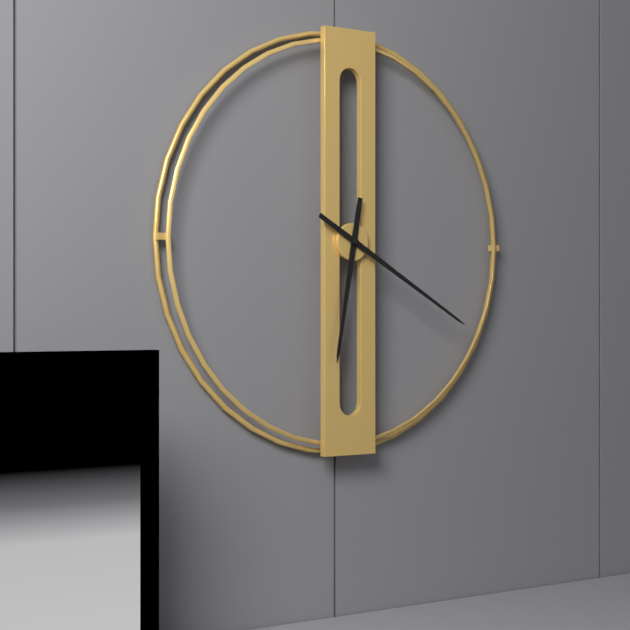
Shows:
6:20
